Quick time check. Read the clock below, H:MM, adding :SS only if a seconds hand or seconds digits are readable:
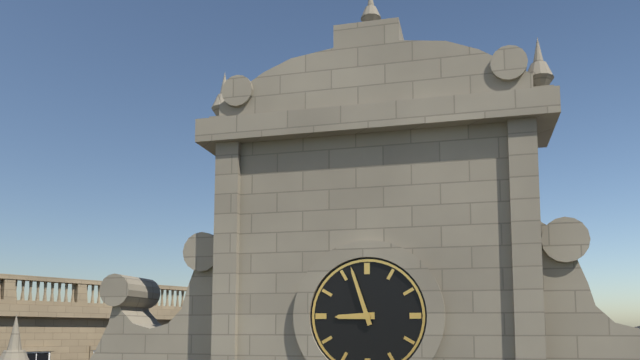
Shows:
8:57
